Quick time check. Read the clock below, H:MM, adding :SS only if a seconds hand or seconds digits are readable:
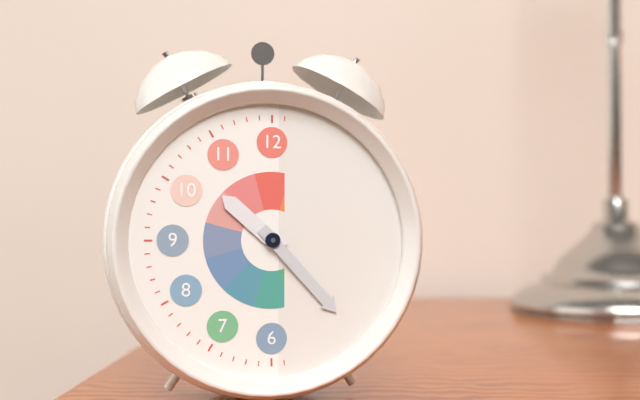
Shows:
10:23
